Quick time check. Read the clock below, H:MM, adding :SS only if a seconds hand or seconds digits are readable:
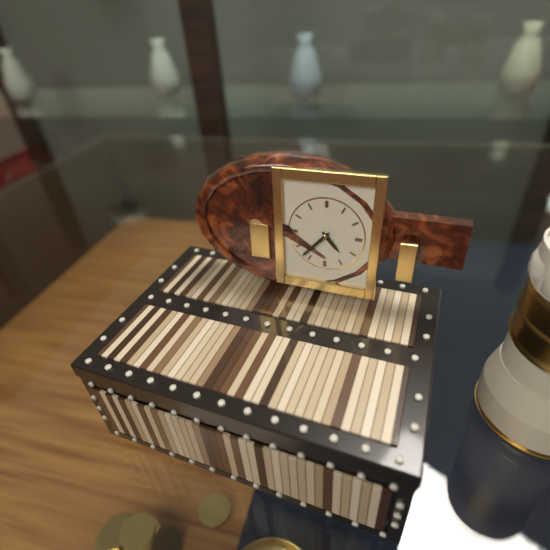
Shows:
4:37
